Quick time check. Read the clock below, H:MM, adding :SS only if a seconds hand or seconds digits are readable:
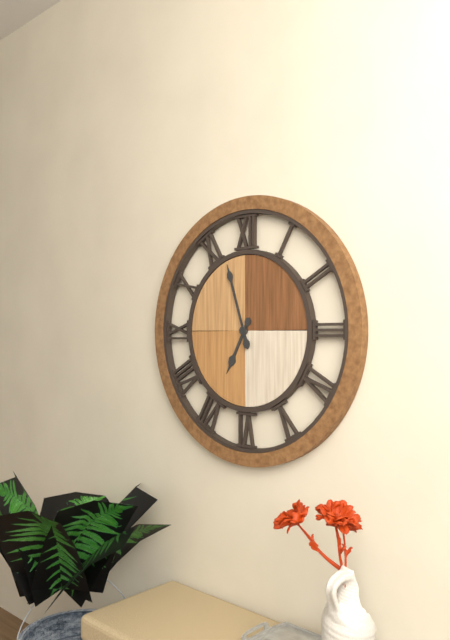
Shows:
6:57
